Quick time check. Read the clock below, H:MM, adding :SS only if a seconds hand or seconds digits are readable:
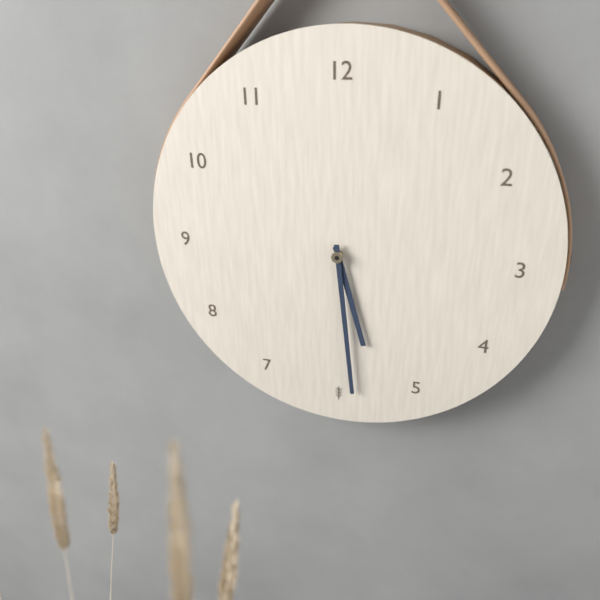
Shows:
5:29
